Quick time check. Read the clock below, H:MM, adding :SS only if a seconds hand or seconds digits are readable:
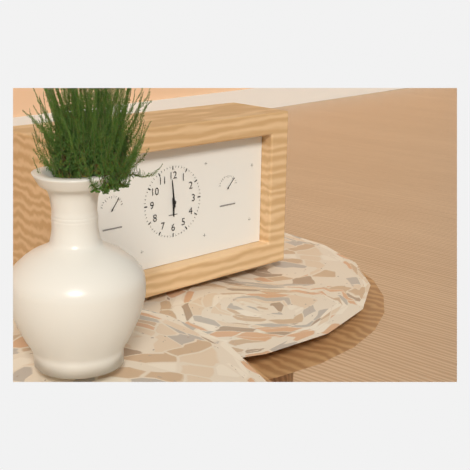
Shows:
5:59
